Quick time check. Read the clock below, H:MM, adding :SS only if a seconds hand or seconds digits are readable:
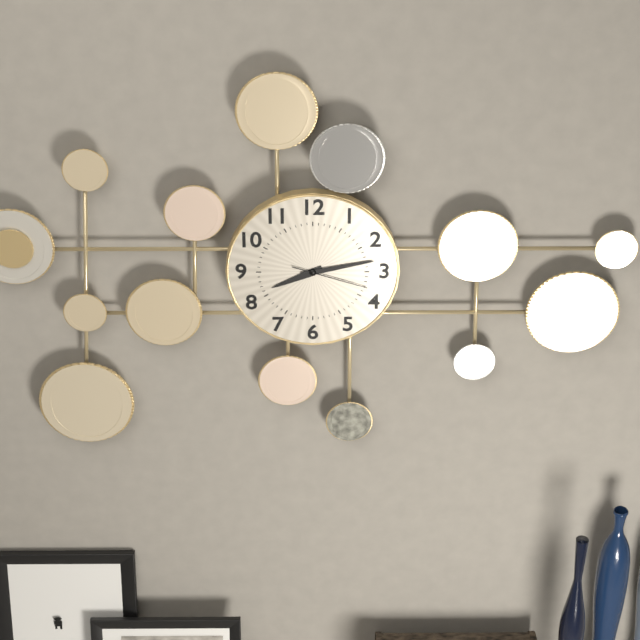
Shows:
8:13:18
